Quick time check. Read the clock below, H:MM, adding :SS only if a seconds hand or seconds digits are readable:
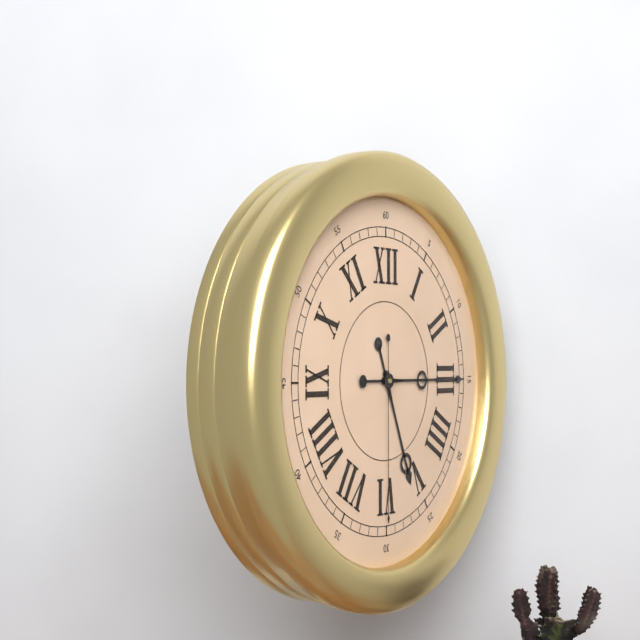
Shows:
5:15:30
